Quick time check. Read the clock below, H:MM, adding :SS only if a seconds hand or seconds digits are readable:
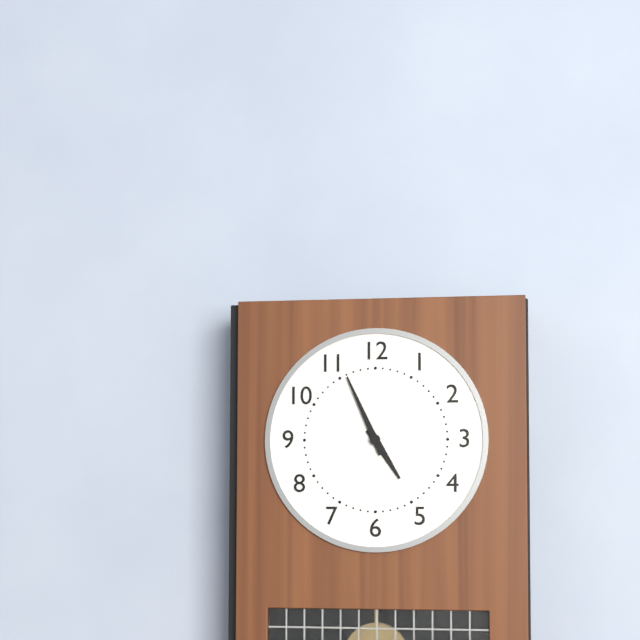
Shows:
4:56
